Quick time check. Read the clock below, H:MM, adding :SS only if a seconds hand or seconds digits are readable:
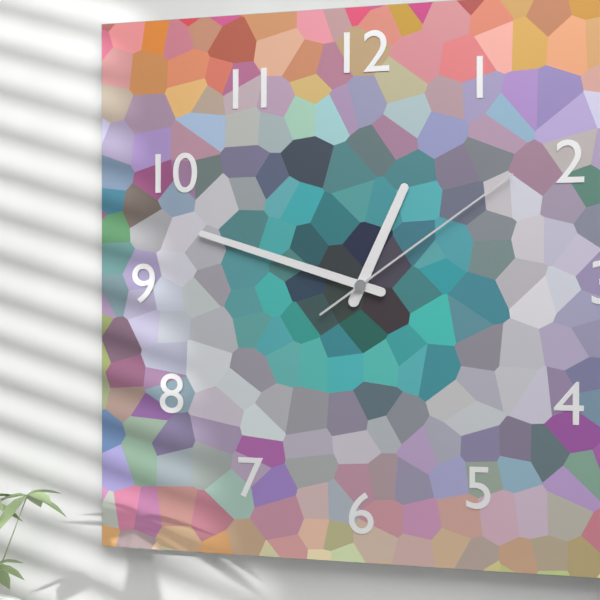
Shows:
12:48:09
